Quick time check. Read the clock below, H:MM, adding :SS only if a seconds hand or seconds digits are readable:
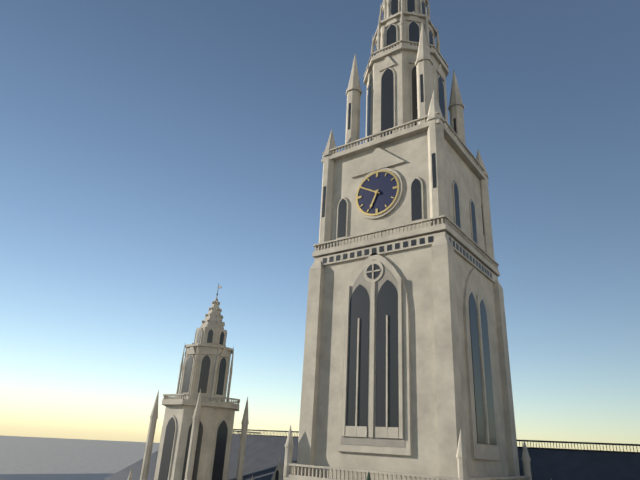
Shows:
6:50
